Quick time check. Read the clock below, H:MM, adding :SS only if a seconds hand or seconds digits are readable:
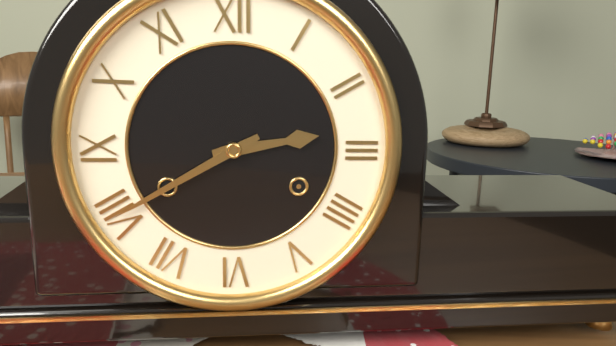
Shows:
2:40
